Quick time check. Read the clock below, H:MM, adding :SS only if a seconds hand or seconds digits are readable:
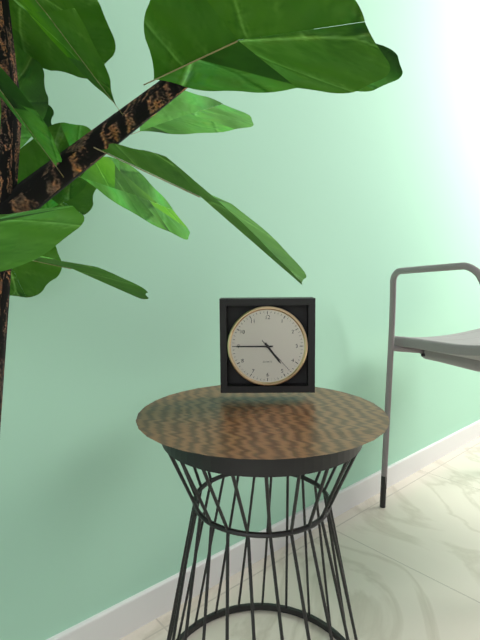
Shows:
4:45
